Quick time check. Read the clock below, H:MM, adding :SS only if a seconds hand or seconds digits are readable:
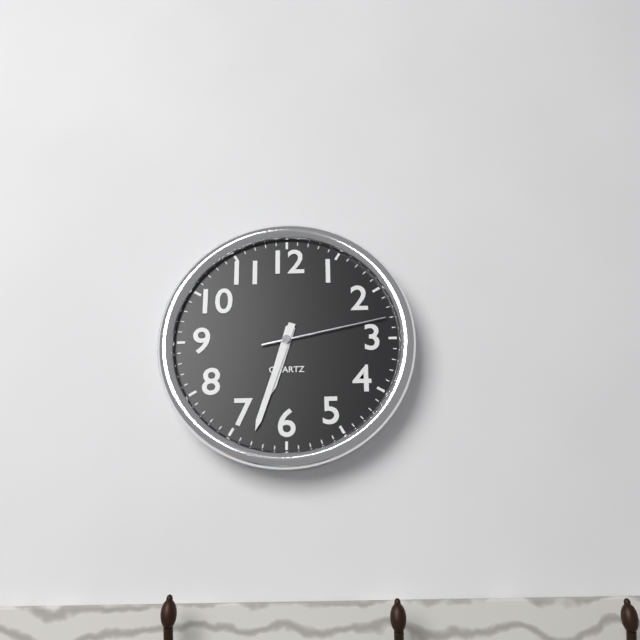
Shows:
6:33:13
